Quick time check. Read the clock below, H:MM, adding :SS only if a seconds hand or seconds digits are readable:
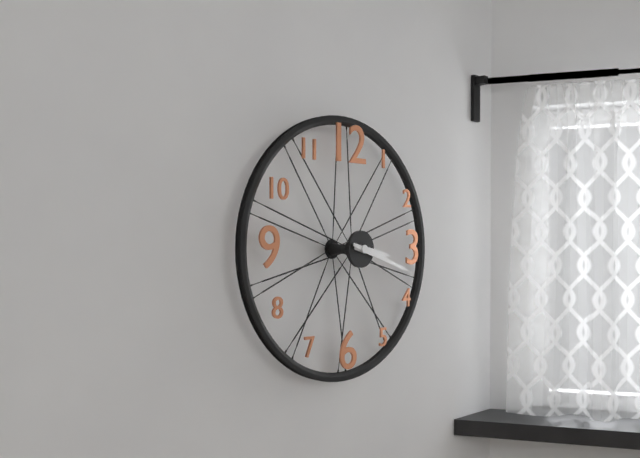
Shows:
3:18
